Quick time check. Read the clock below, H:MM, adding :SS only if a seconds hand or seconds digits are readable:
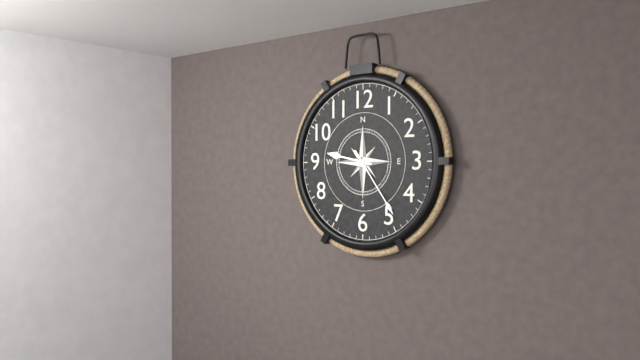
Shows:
9:24
